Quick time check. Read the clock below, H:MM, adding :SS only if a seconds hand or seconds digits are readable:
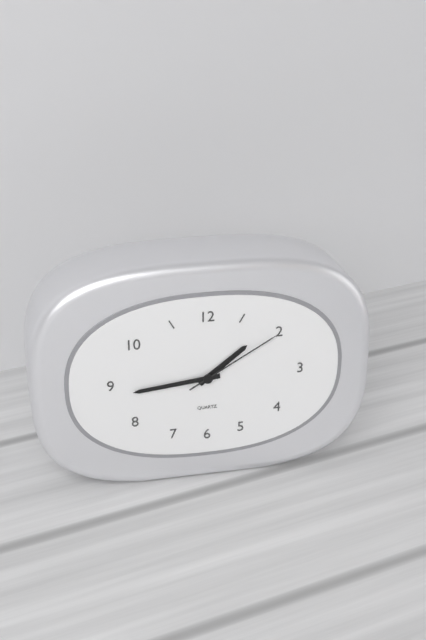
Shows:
1:44:10
